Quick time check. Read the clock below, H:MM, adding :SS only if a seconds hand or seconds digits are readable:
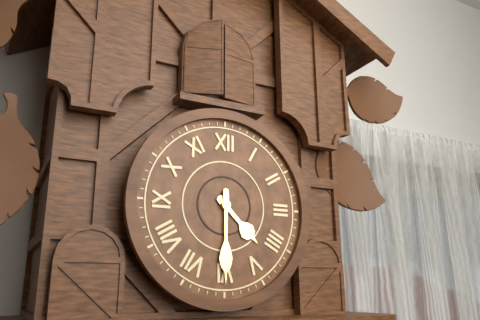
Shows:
4:30
